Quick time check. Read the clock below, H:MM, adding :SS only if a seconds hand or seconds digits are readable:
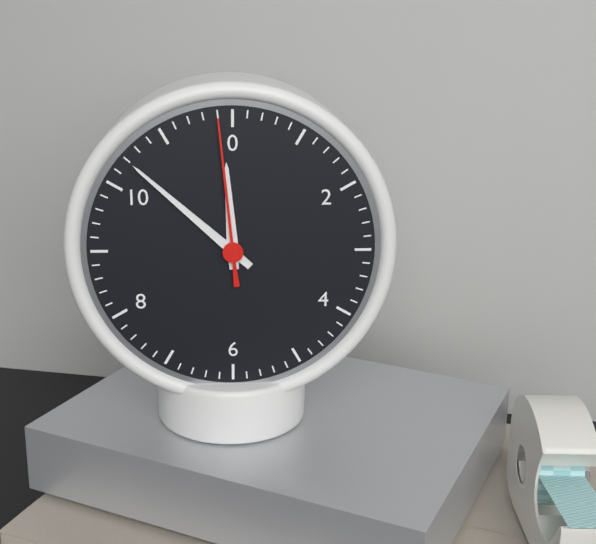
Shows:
11:52:59
